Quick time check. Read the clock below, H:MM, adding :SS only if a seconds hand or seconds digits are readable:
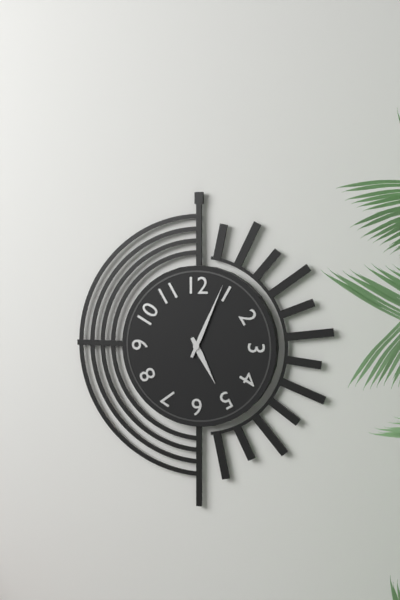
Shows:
5:04
